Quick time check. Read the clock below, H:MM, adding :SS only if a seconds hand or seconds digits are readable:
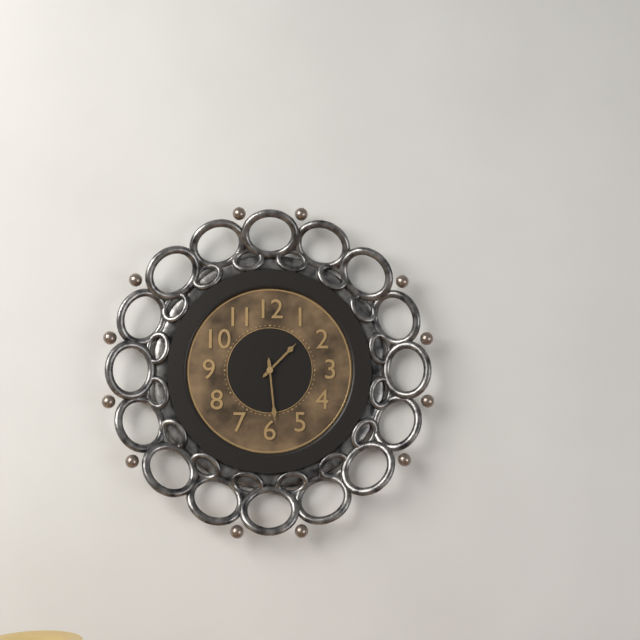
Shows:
1:29
